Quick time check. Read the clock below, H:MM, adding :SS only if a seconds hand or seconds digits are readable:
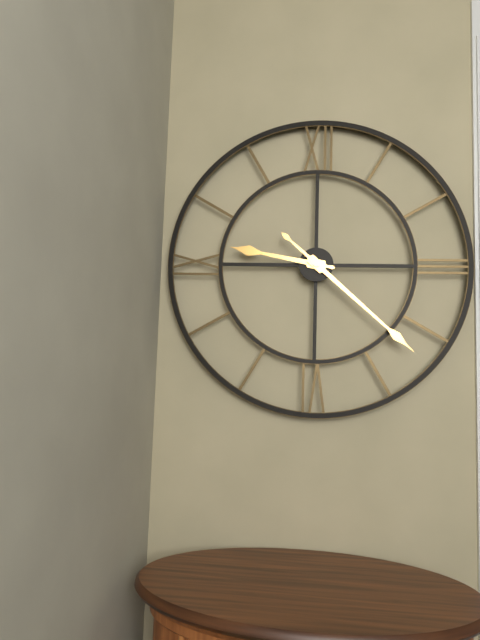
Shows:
9:22
